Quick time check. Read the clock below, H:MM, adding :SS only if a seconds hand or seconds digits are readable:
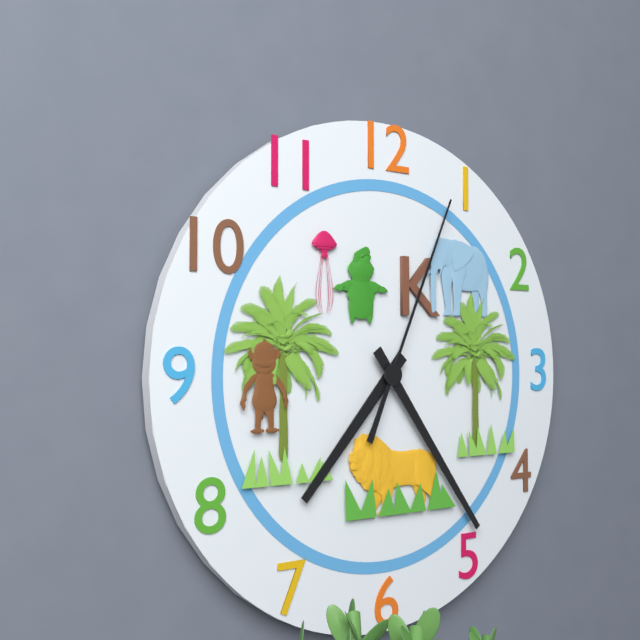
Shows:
7:24:04
